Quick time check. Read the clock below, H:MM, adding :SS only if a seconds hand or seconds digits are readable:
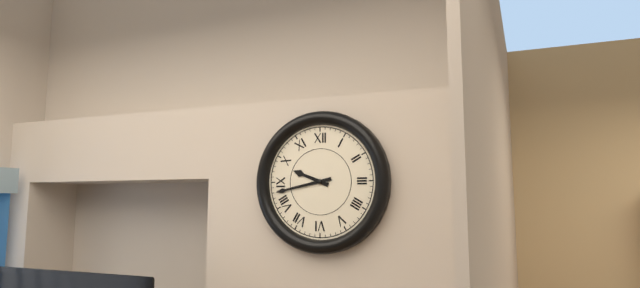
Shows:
9:43
